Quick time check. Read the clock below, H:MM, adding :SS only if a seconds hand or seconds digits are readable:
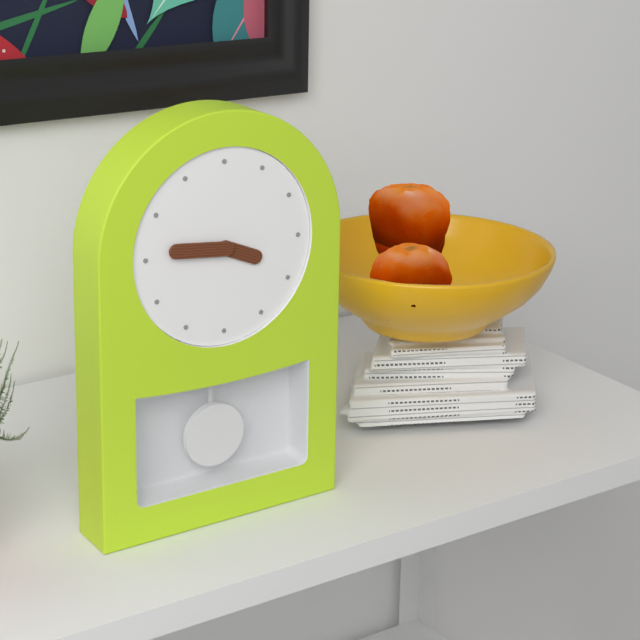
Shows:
3:46
